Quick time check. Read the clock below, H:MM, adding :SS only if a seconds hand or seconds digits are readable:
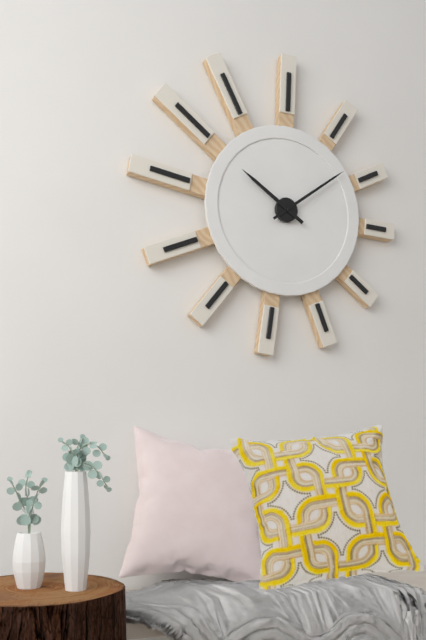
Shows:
10:09
